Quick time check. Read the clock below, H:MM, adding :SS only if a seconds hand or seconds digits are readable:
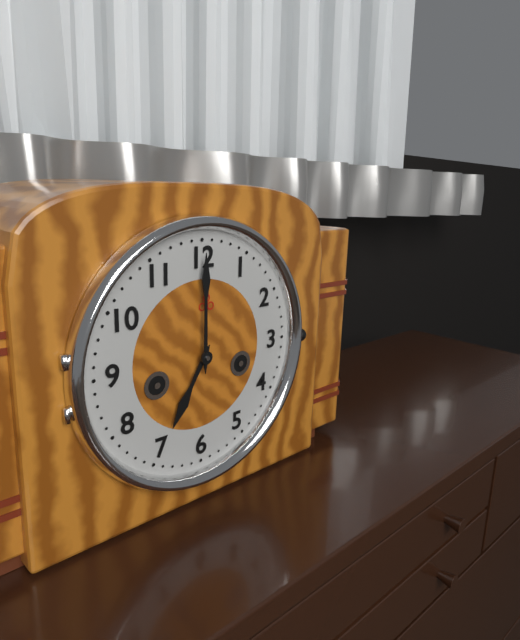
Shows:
7:00
